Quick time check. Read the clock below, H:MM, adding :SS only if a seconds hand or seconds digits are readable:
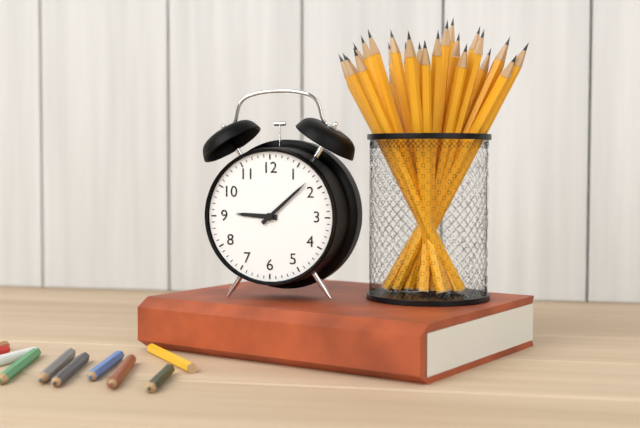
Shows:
9:08
